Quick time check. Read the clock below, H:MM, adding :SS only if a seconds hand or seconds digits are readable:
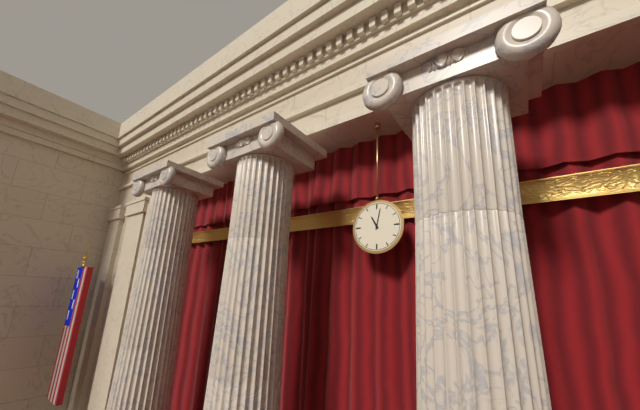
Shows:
11:02
